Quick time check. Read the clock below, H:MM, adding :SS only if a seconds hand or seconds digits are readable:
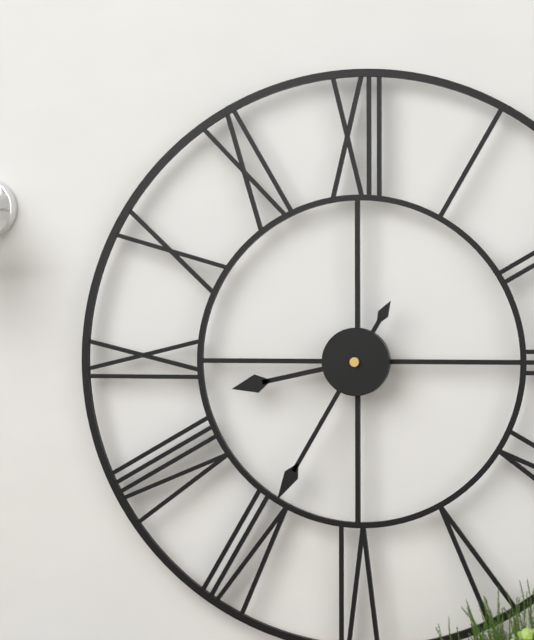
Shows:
8:35
